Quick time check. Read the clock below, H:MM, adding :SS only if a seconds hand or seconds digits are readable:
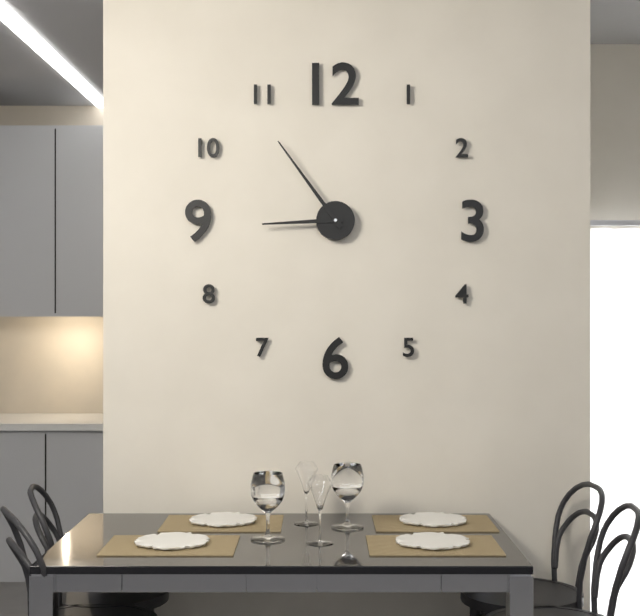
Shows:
8:54
